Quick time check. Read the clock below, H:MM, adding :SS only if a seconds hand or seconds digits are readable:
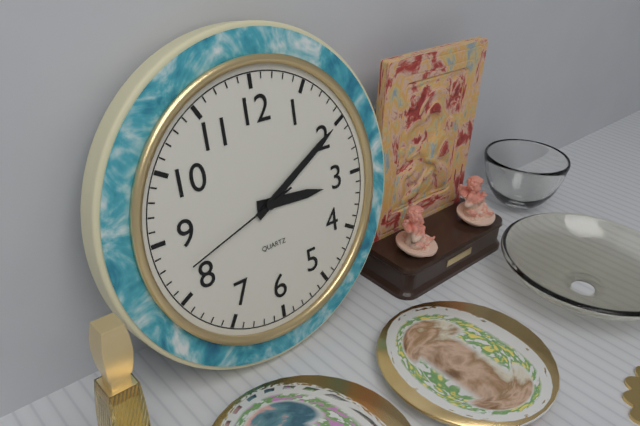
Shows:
3:10:42
